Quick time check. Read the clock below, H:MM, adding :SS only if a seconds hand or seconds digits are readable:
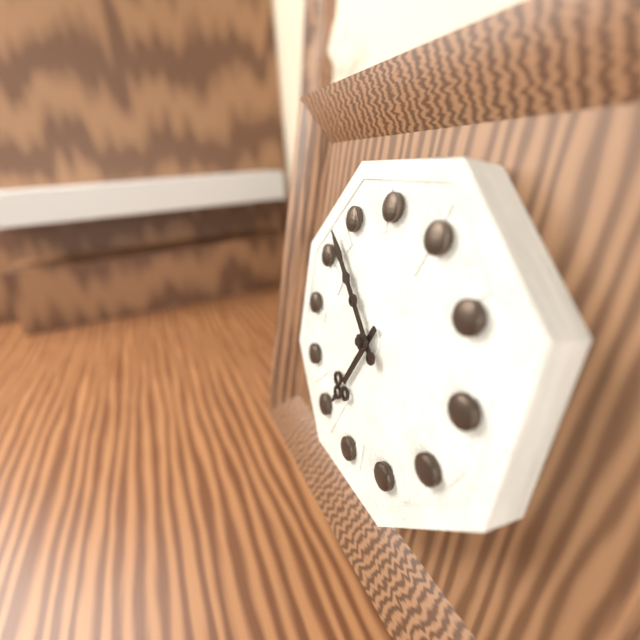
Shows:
6:52
